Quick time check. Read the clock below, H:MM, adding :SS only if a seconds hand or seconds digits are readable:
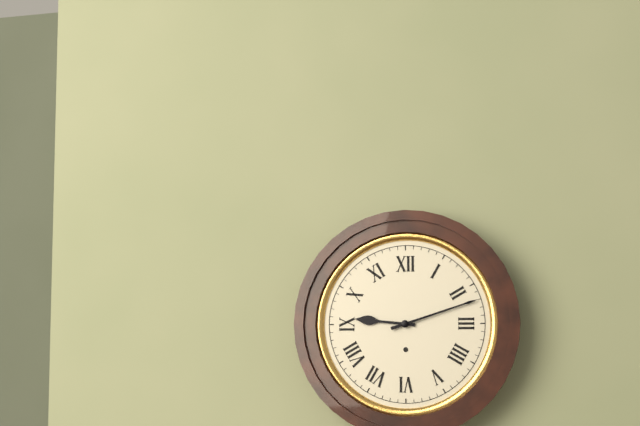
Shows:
9:12
